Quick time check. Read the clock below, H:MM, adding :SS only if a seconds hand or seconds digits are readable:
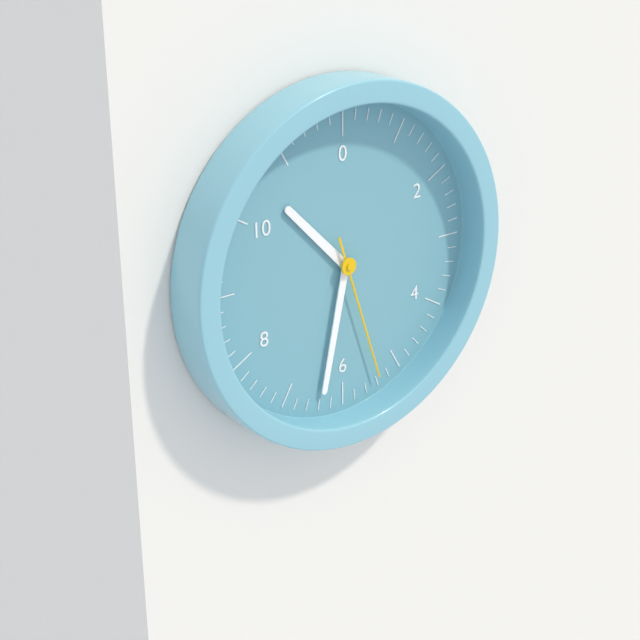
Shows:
10:32:27
